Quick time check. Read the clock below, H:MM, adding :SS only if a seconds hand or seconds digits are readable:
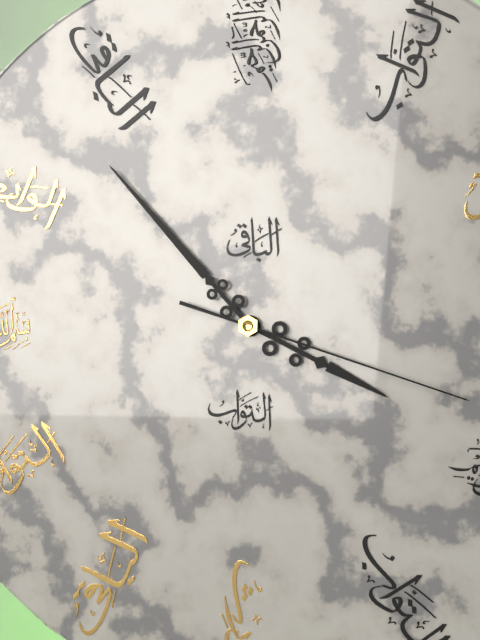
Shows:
3:53:18
